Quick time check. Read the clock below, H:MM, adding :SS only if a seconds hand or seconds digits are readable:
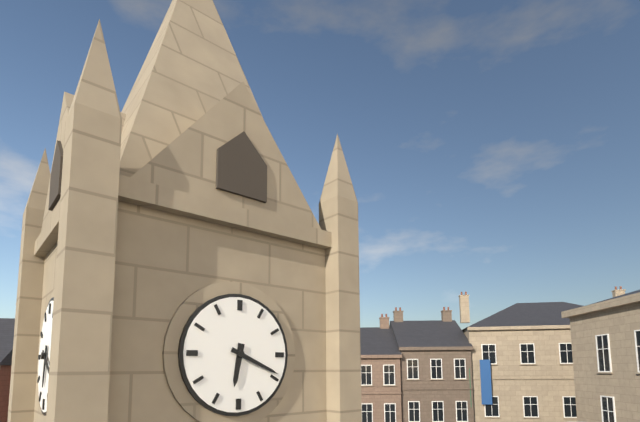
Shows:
6:19
